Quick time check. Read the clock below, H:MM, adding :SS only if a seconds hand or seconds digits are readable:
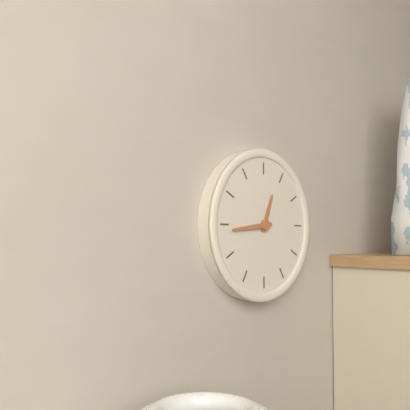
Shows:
12:44
